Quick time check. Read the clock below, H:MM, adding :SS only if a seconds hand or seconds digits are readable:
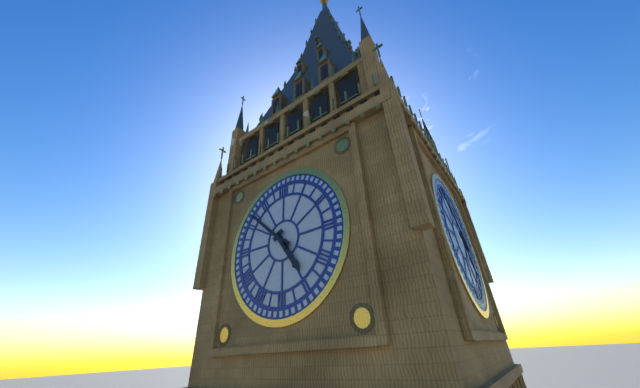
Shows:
4:52
